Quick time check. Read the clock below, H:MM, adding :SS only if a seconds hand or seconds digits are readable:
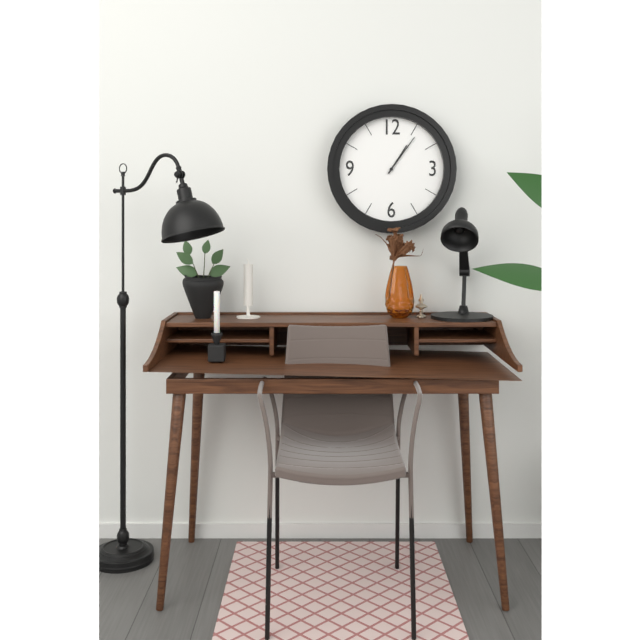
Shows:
1:06
